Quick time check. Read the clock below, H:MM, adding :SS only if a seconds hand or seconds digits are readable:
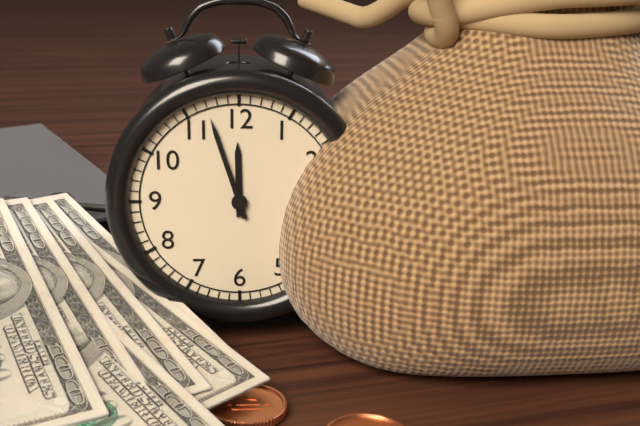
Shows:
11:57
